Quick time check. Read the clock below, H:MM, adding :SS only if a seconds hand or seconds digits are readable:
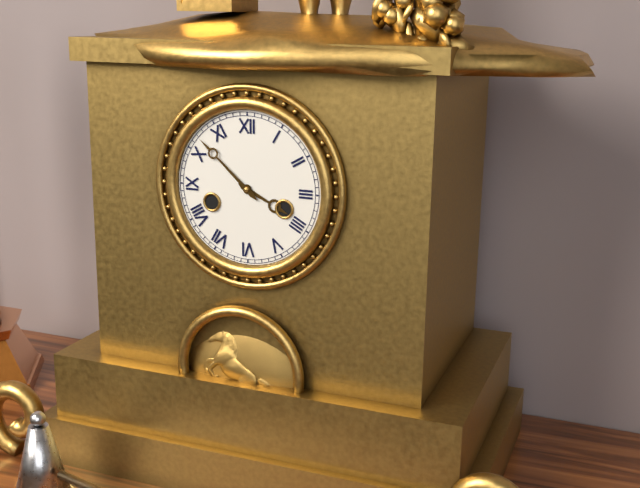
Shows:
3:52
